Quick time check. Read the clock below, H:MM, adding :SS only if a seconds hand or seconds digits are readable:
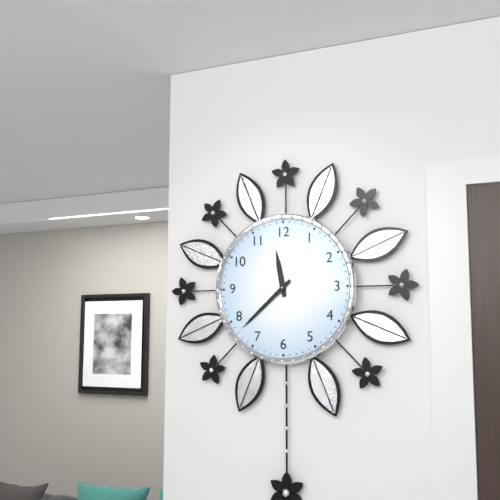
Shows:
11:38
